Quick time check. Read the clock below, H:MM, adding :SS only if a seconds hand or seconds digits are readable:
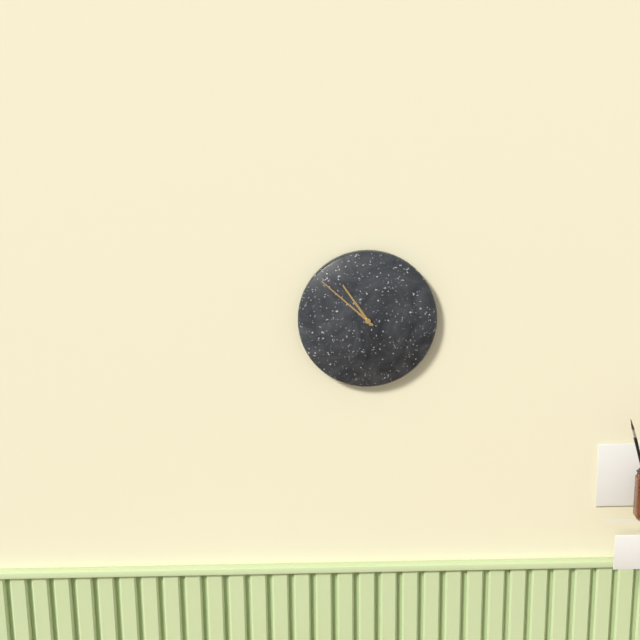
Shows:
10:52
